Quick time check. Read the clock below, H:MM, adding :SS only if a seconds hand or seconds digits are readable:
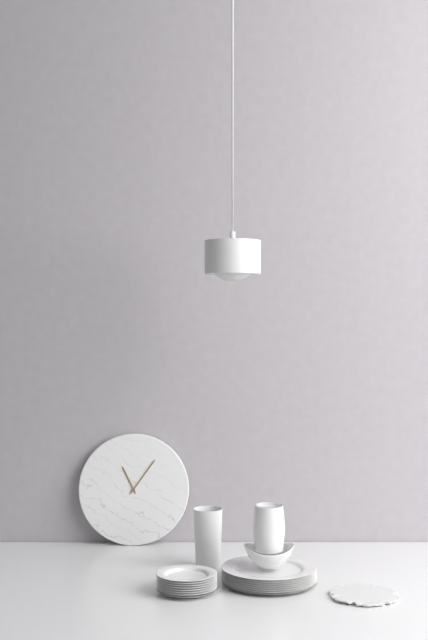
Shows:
11:06
